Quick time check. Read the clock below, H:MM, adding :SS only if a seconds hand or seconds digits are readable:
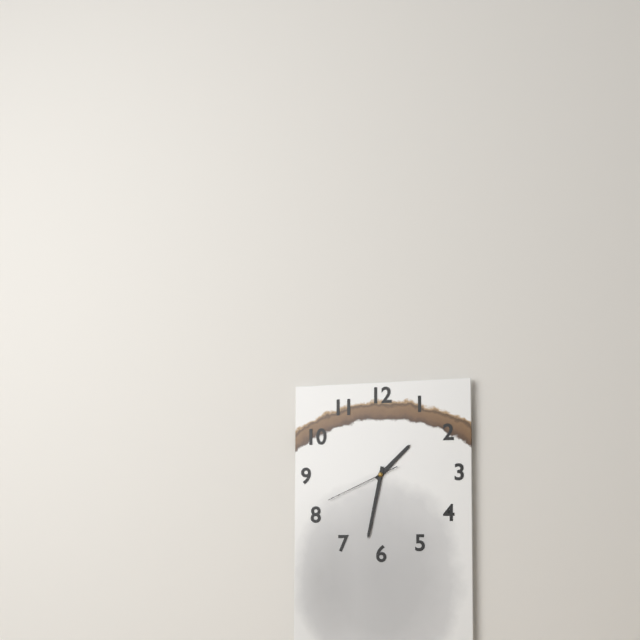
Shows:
1:32:41
